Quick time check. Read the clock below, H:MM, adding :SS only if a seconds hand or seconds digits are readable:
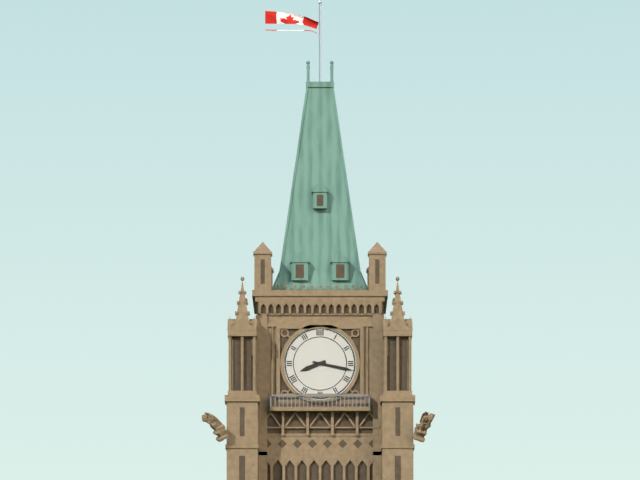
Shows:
8:17
